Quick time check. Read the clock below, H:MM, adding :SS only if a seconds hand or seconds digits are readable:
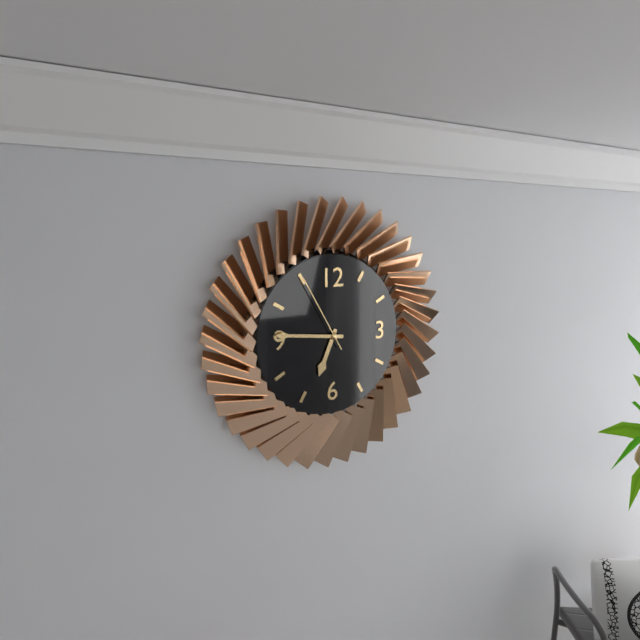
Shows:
6:46:55
